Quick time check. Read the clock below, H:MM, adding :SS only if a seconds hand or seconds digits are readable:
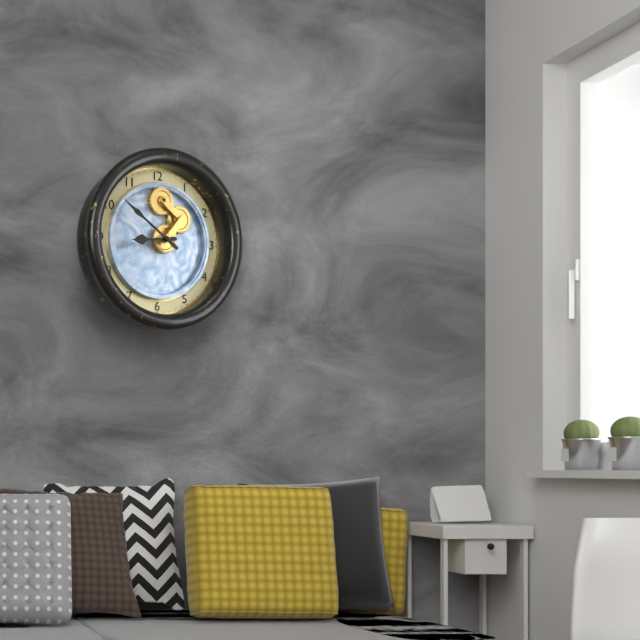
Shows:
8:51
